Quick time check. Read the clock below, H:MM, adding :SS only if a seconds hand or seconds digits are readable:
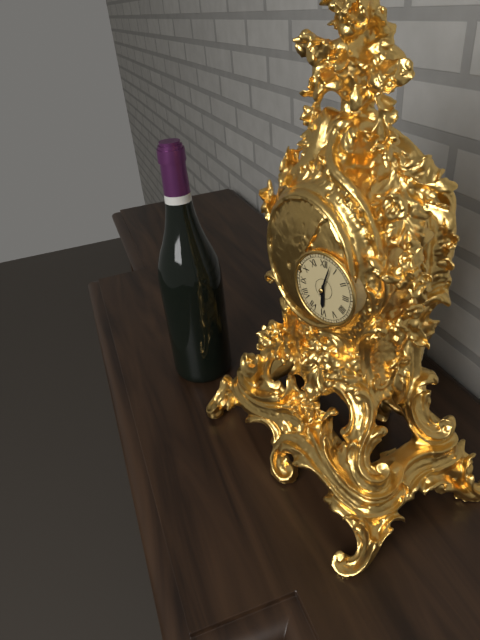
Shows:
6:03
